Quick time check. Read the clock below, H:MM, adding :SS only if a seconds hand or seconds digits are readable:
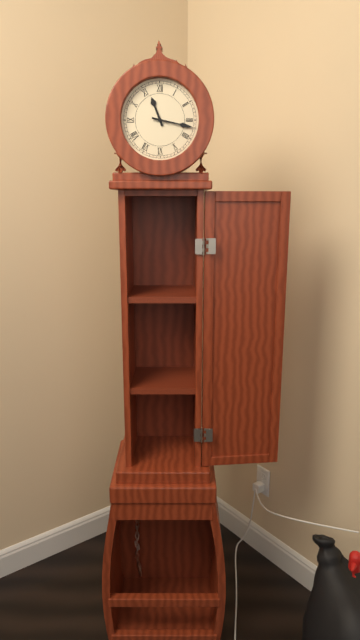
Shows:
11:17
